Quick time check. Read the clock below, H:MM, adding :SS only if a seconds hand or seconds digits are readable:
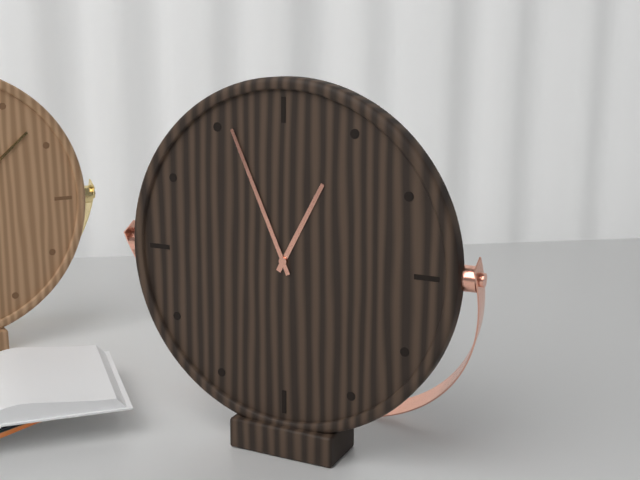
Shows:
12:56
